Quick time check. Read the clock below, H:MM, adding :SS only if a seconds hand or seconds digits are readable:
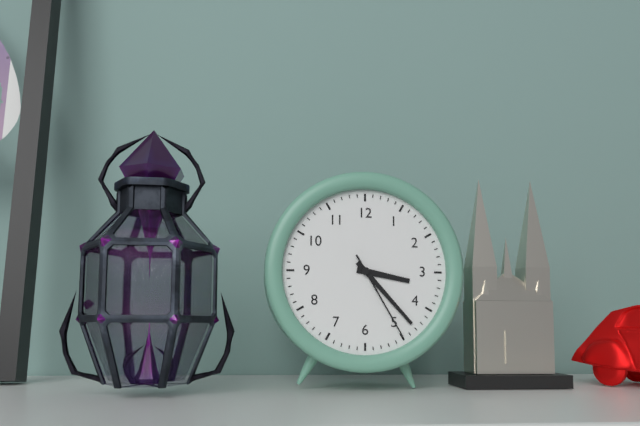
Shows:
3:23:25
